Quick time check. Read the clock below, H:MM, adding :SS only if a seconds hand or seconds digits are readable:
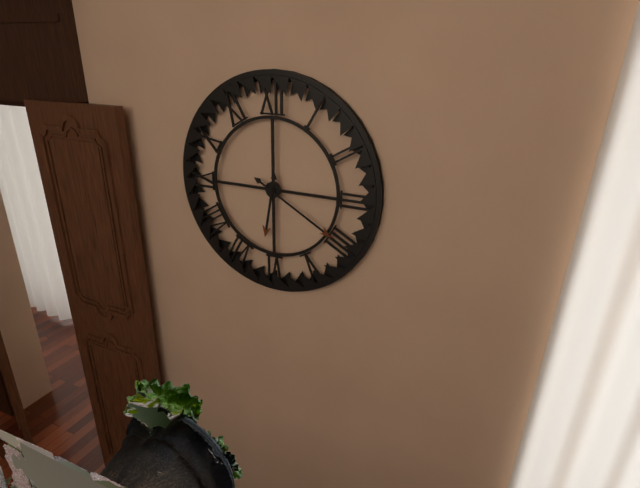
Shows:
6:20
